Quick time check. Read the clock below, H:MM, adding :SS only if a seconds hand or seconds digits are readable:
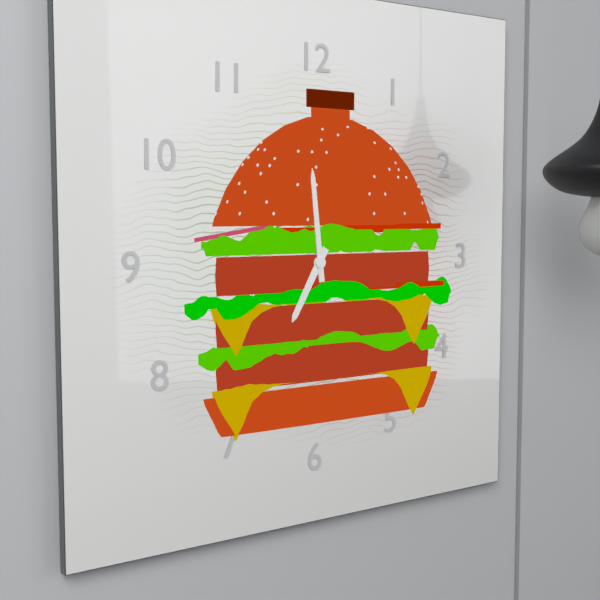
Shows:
6:59
